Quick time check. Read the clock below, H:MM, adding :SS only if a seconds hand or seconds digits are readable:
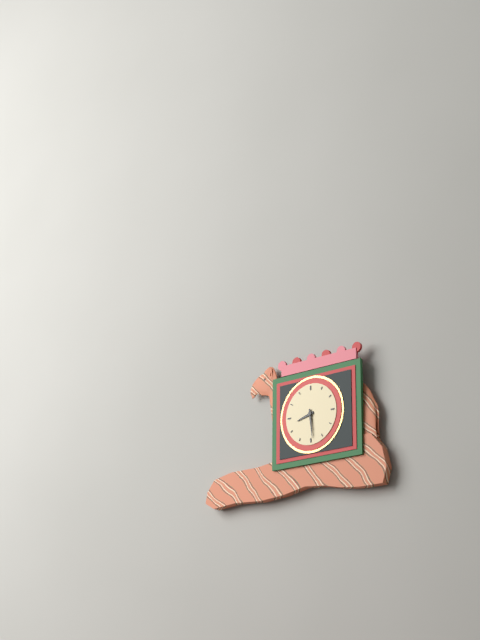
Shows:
8:29
